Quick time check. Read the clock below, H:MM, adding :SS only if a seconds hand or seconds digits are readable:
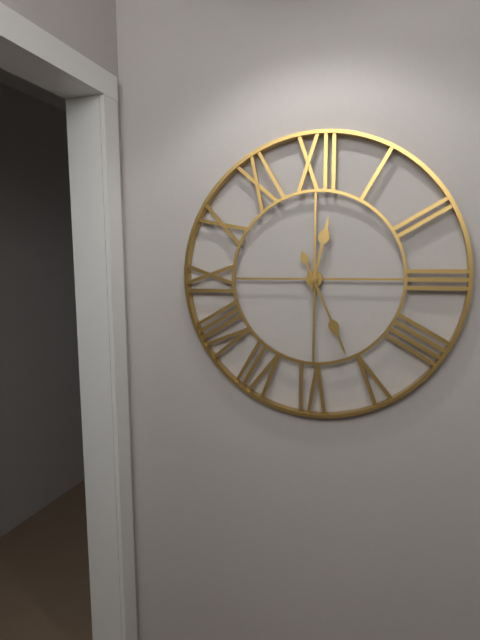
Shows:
12:26
